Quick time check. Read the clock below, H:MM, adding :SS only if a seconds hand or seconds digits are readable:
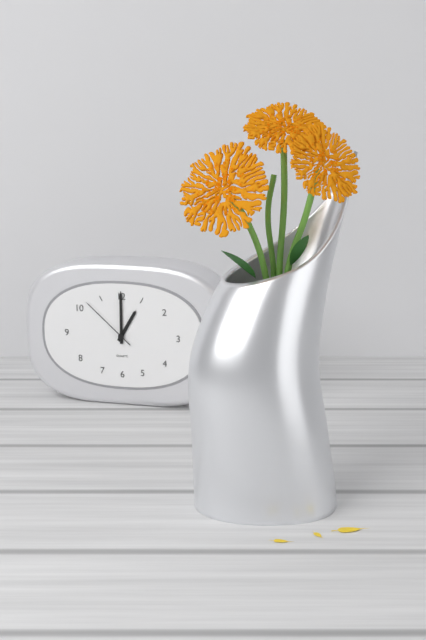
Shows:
1:00:52
